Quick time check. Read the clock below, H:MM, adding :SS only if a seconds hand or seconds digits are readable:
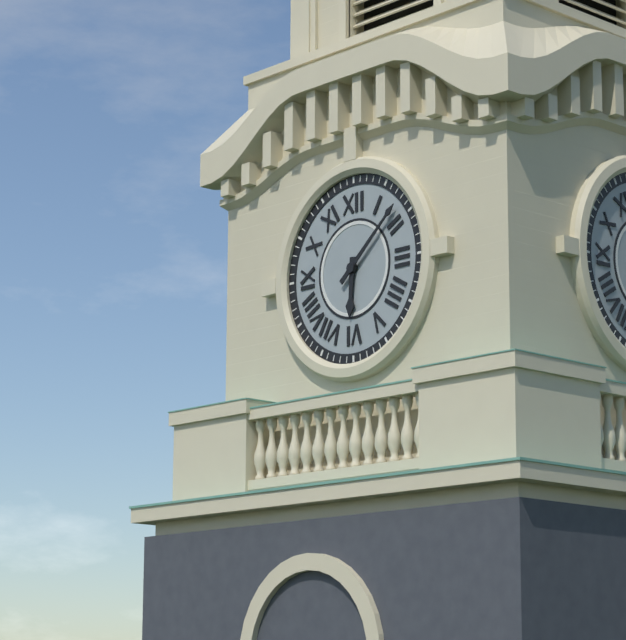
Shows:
6:08
